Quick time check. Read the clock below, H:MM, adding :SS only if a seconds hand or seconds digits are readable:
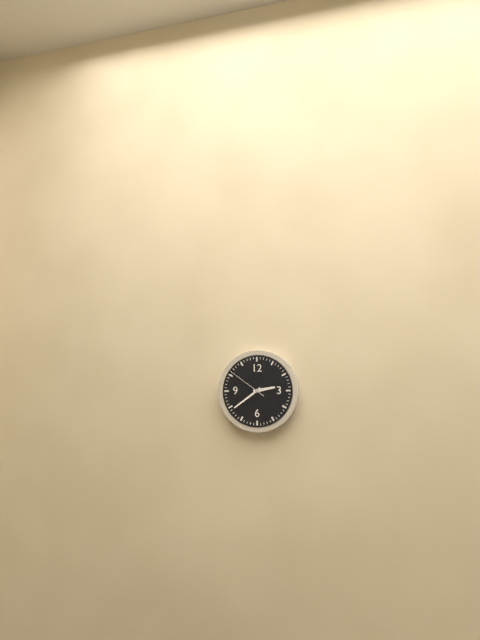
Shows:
2:39
